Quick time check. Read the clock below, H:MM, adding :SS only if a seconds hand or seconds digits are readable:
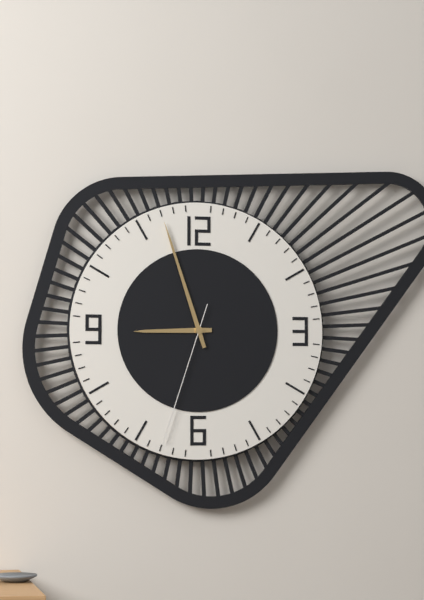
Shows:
8:57:33
